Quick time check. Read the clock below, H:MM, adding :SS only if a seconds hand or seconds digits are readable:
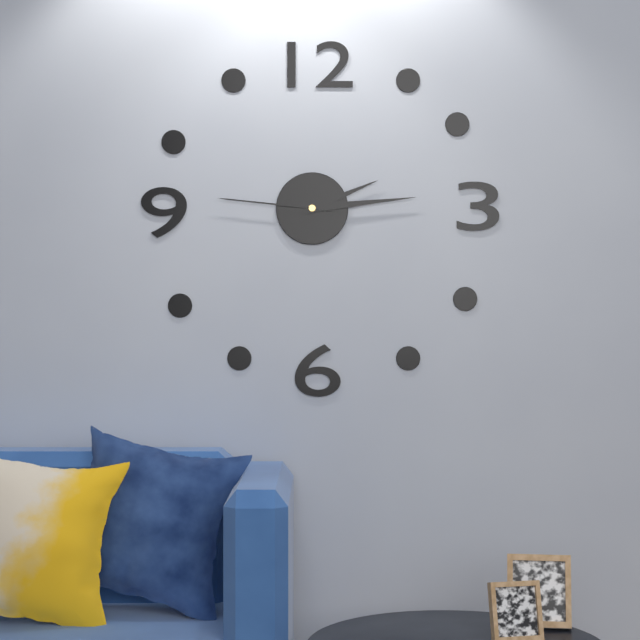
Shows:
2:14:46
